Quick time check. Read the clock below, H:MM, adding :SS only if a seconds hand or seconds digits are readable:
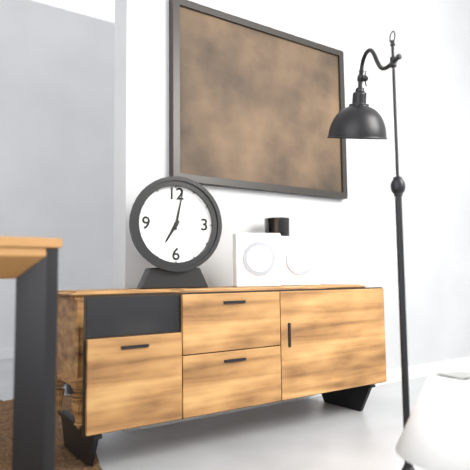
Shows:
7:02
